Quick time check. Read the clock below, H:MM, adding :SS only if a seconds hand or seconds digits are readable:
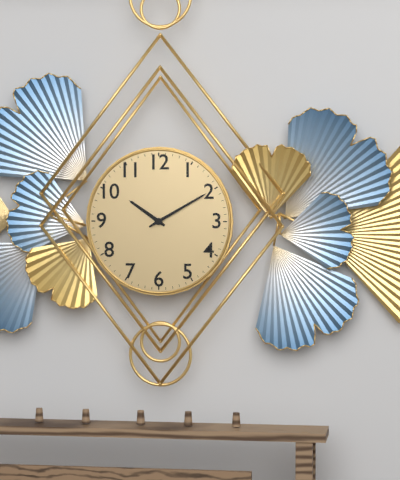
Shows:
10:10
